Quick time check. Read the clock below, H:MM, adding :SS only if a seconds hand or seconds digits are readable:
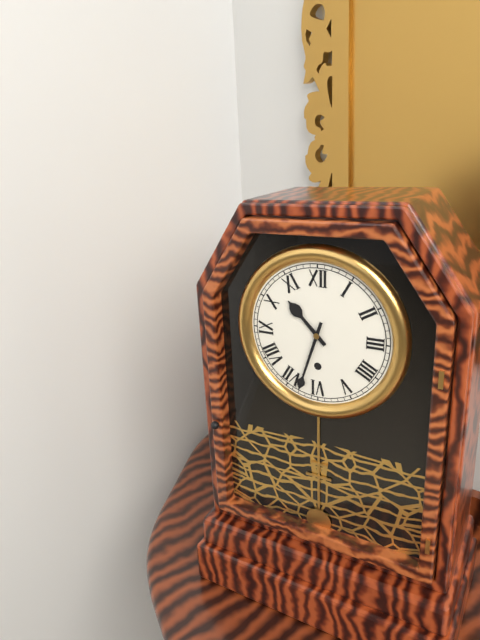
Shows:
10:33
